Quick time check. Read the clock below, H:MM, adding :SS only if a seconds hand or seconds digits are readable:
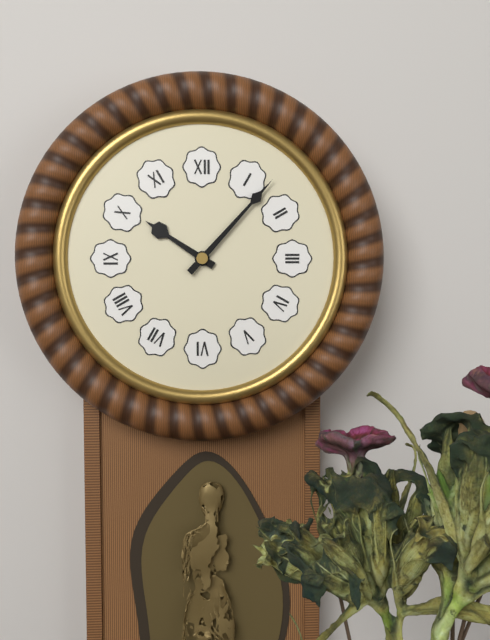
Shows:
10:07
